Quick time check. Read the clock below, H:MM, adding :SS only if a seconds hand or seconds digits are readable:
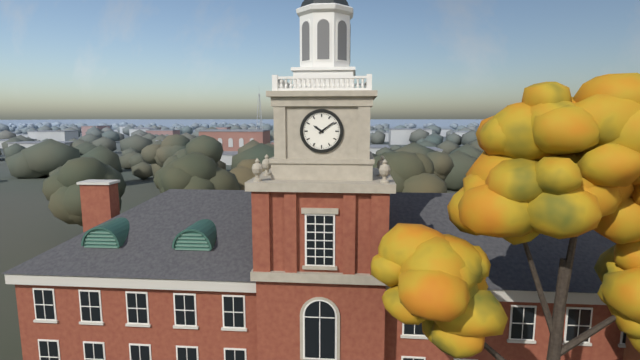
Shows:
10:09
